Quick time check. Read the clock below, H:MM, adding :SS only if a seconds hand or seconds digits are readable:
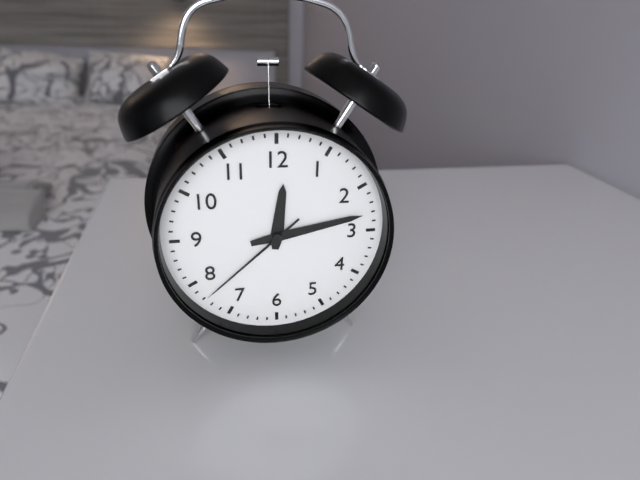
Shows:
12:13:38
